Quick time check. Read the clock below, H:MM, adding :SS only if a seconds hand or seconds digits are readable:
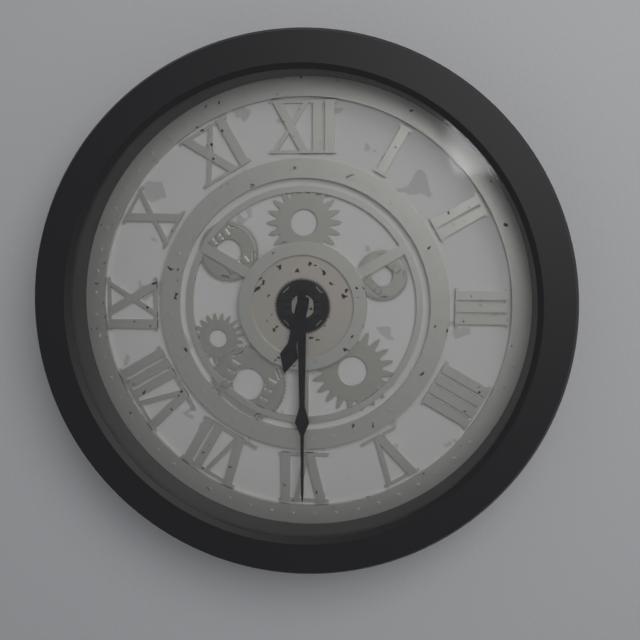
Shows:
6:30
